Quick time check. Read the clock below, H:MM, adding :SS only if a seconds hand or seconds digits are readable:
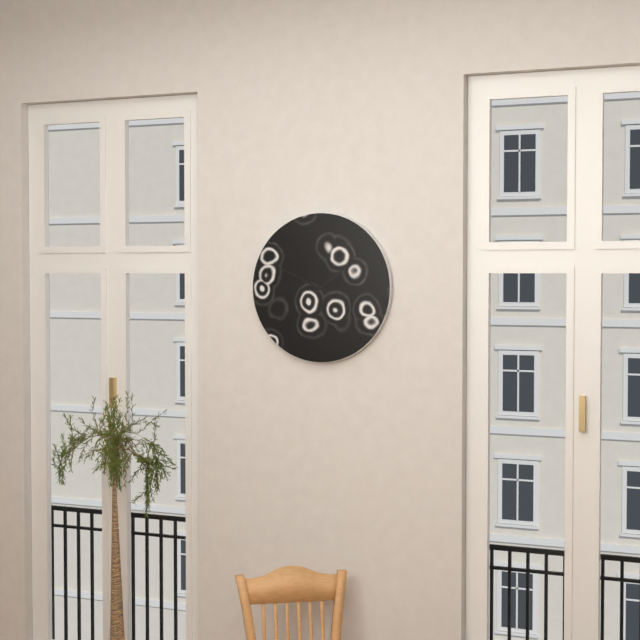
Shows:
1:49
